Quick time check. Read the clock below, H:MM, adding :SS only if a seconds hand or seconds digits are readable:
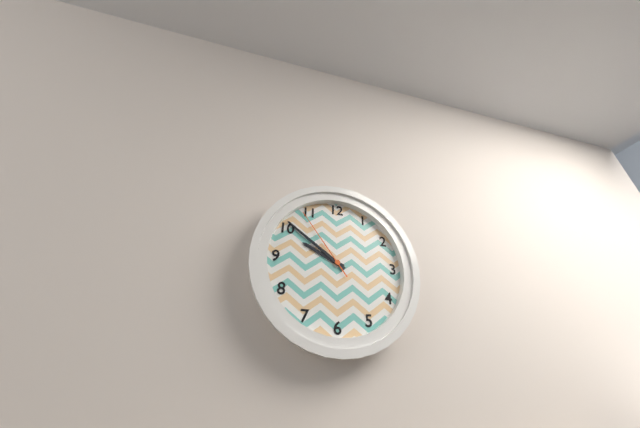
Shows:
9:51:54
